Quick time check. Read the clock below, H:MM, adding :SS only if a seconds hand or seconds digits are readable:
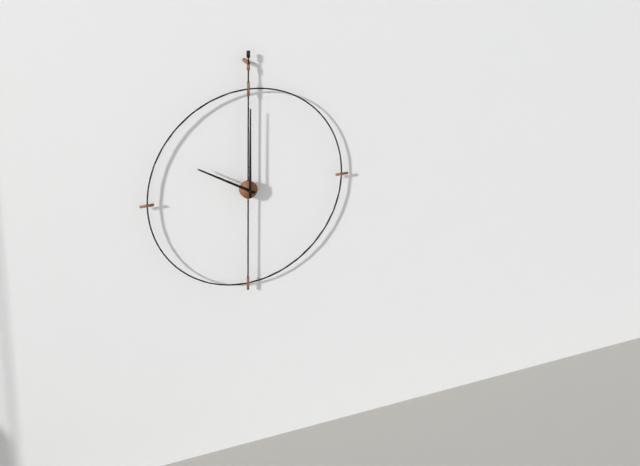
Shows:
10:00
